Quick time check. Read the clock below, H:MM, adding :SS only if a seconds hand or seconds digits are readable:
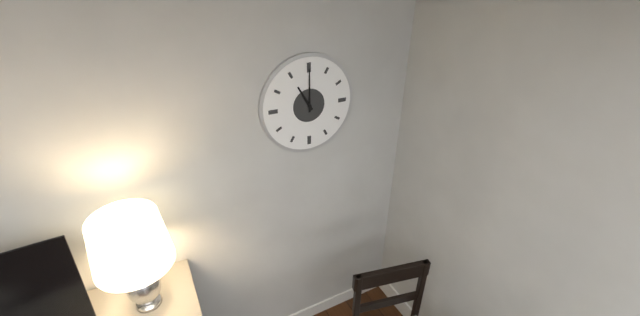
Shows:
11:00
